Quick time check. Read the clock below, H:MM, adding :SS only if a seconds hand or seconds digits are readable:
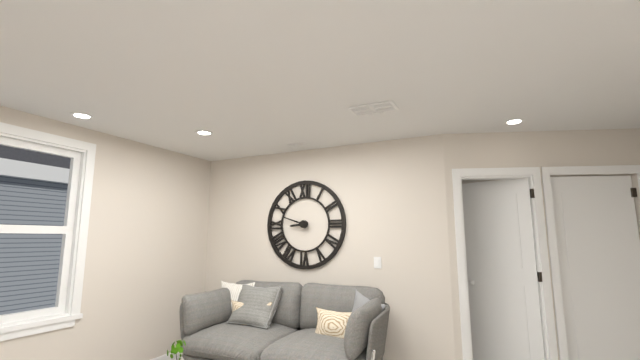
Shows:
8:48
